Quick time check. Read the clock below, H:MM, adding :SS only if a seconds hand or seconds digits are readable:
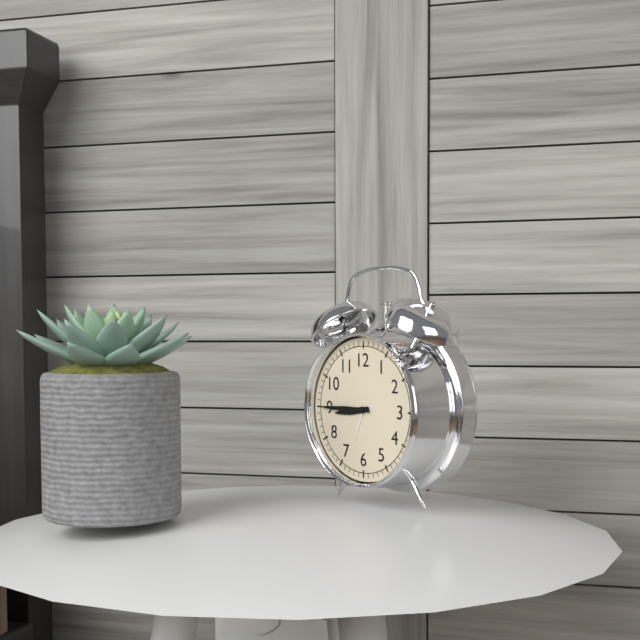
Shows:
8:45
